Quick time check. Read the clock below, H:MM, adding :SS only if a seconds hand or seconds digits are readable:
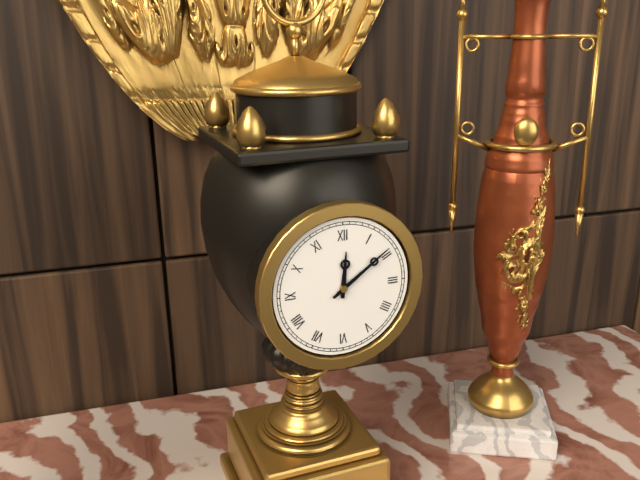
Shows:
12:09
